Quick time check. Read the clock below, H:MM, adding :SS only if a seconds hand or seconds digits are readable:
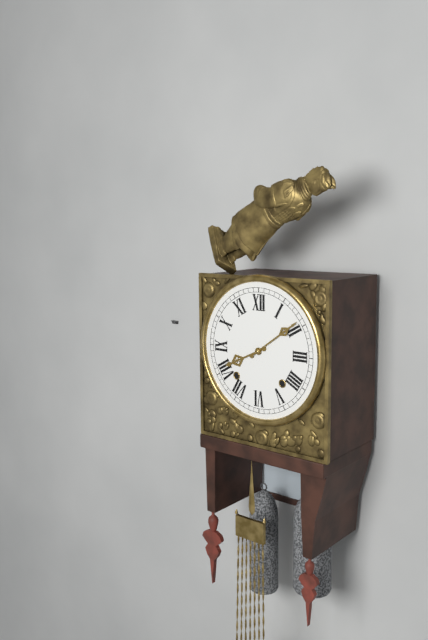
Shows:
8:09
